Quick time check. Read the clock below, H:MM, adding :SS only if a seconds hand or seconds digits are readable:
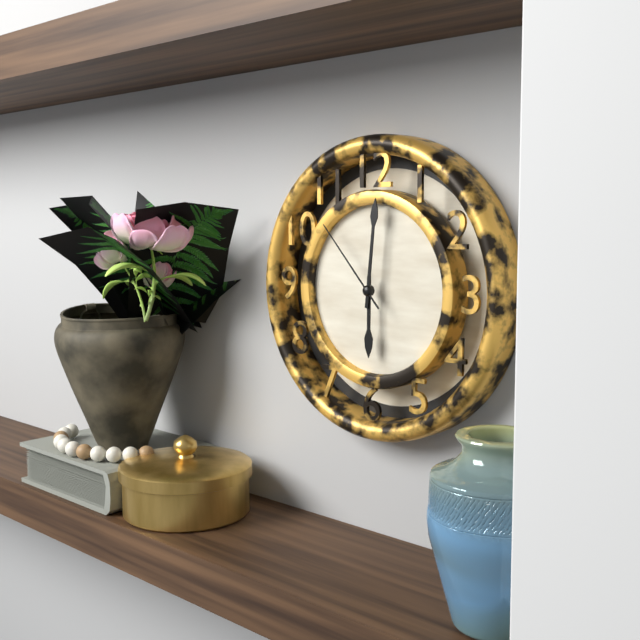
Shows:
6:01:53
